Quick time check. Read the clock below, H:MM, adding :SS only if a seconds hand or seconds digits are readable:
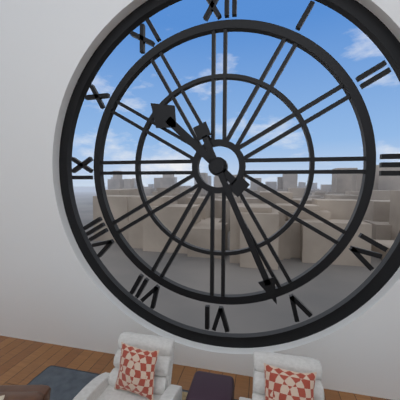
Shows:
10:26
